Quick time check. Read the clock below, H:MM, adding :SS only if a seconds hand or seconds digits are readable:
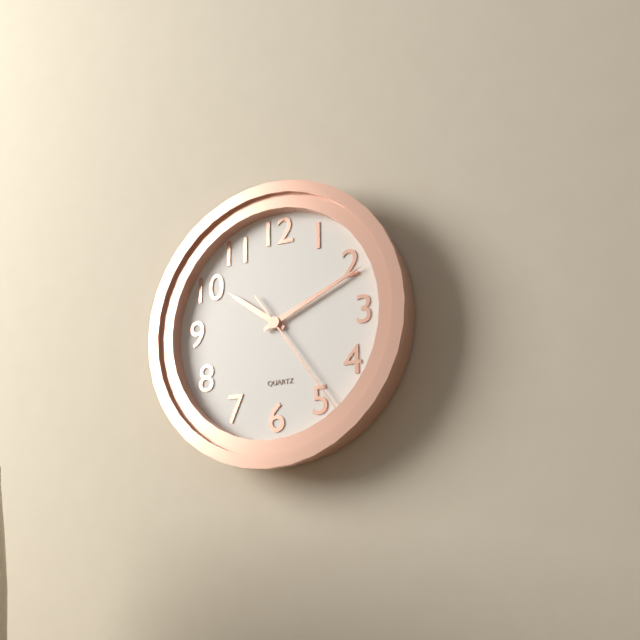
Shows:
10:11:24
